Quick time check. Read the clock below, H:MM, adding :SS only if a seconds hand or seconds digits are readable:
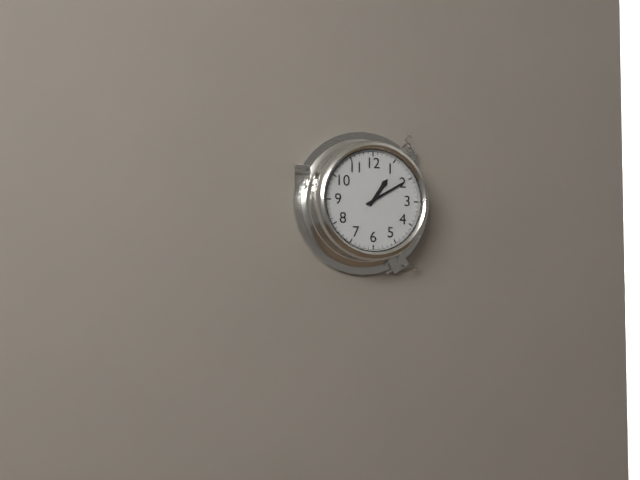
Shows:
1:10
